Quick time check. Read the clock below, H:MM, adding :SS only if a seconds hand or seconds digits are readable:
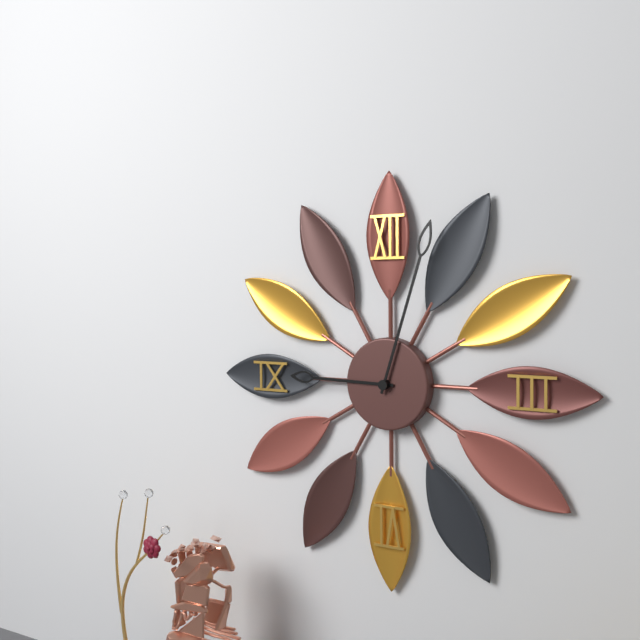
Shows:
9:03
